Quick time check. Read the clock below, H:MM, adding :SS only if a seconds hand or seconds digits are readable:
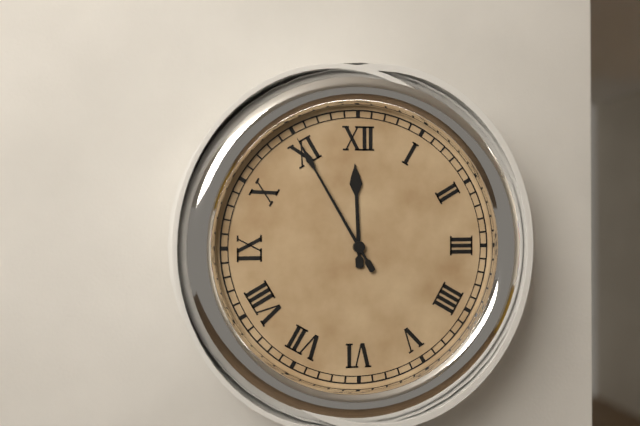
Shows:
11:55
